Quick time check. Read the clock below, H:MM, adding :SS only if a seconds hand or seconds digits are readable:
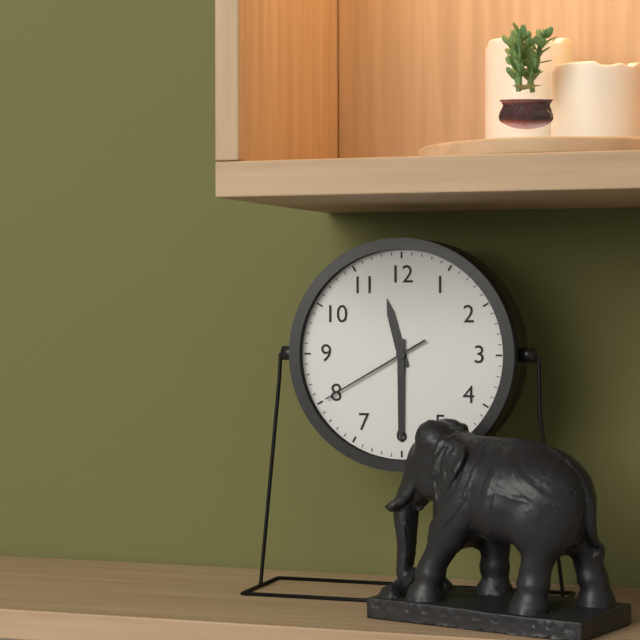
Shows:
11:30:40
